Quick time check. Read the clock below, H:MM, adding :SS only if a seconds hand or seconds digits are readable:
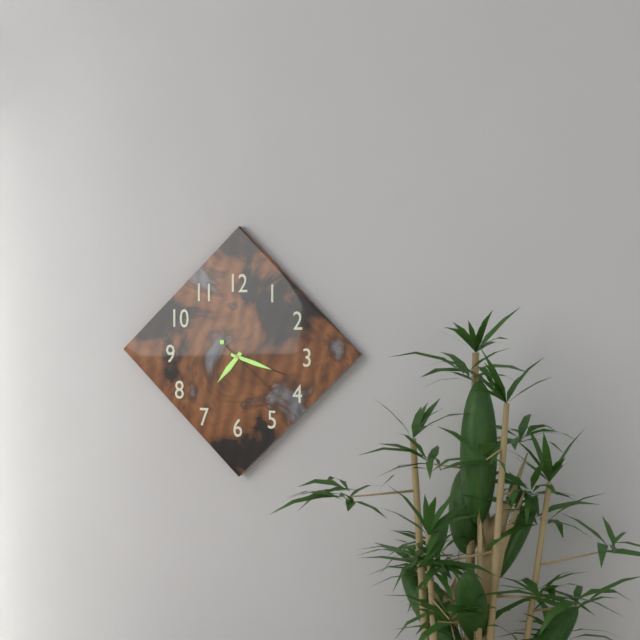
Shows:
7:18:22
